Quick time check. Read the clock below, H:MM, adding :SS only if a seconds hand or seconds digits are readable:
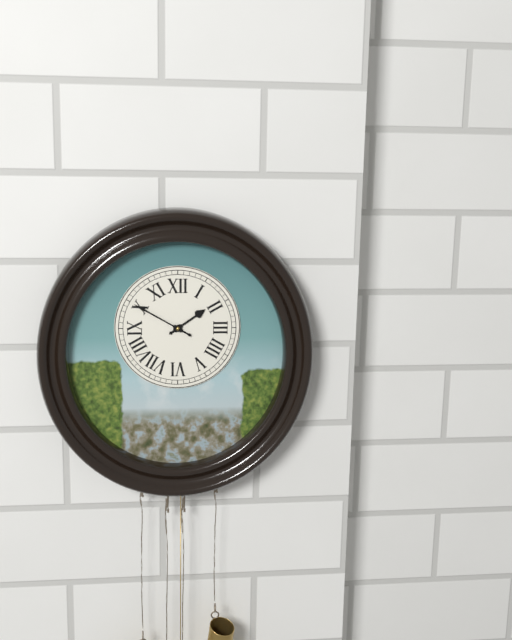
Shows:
1:50
